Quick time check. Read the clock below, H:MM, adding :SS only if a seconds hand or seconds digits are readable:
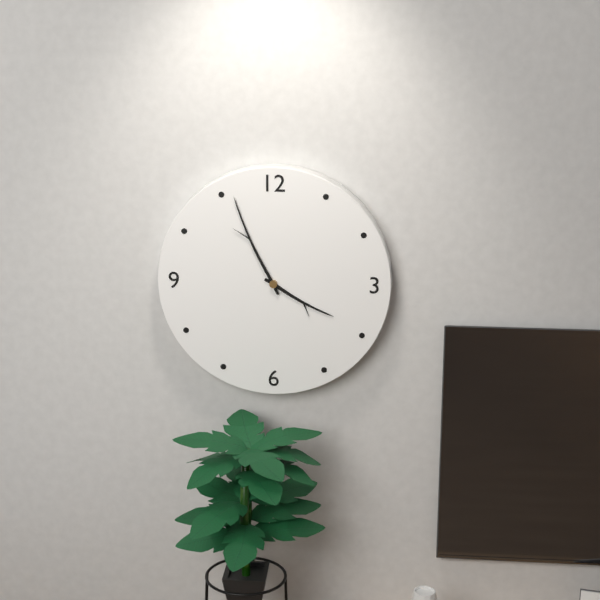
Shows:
3:56
